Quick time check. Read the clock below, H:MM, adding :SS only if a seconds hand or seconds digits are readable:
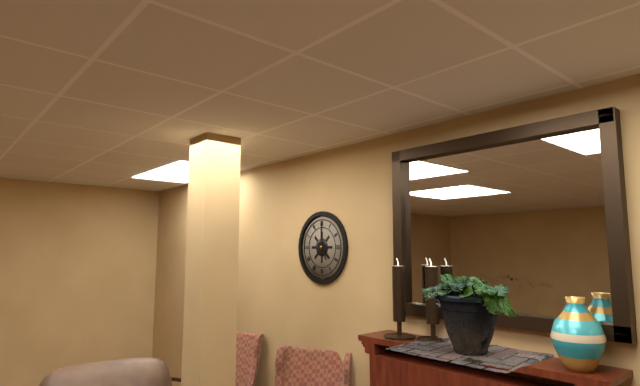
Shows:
5:00
